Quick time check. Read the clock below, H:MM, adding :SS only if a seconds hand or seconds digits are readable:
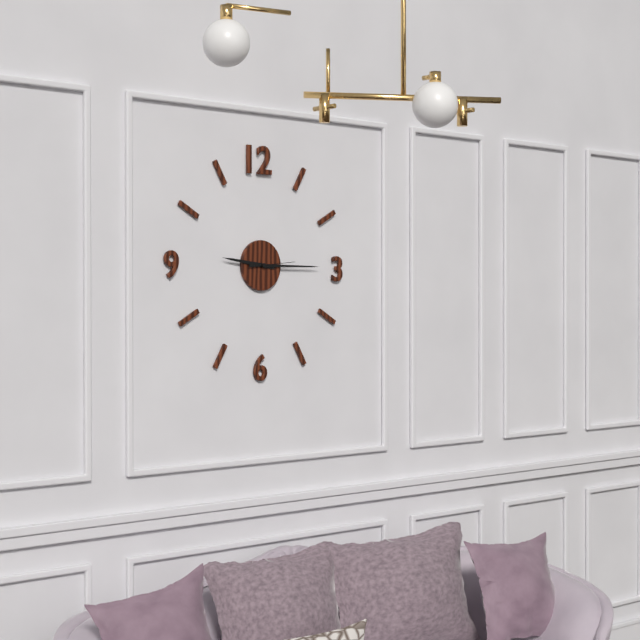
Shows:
9:15
